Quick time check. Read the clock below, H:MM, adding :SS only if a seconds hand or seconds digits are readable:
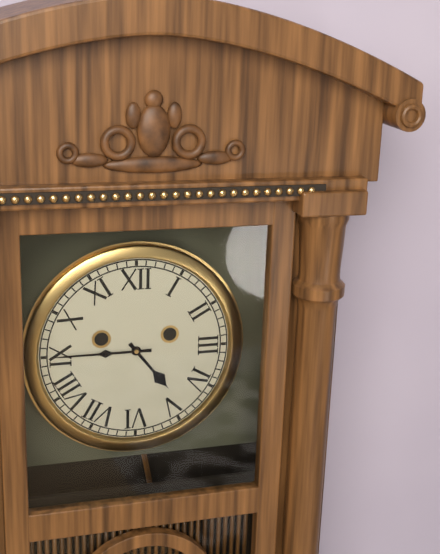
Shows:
4:45
